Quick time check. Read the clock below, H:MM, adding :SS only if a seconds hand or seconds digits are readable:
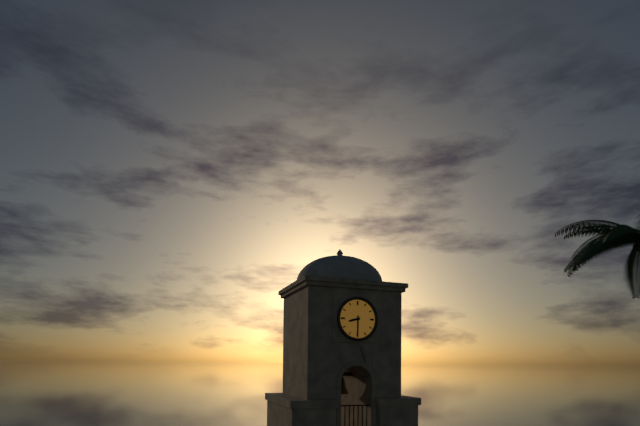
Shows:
8:30
